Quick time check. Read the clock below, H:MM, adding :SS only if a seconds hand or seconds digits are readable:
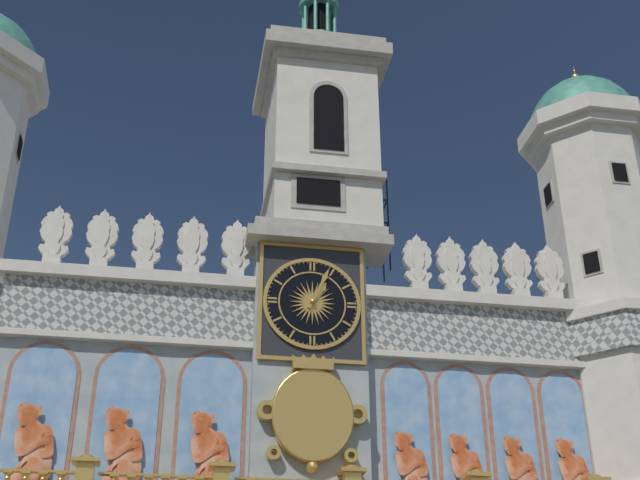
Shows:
1:04
